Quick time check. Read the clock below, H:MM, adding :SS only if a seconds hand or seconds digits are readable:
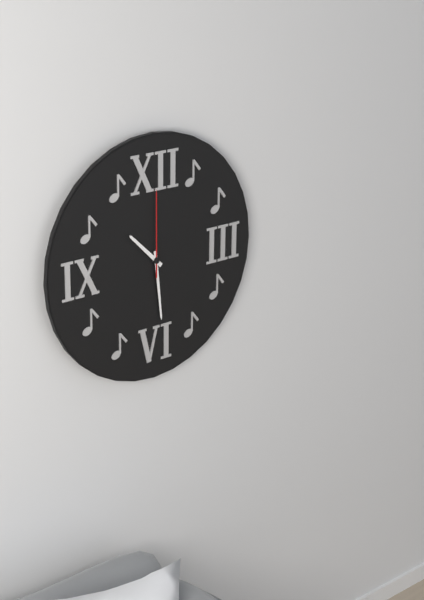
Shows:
10:29:00
